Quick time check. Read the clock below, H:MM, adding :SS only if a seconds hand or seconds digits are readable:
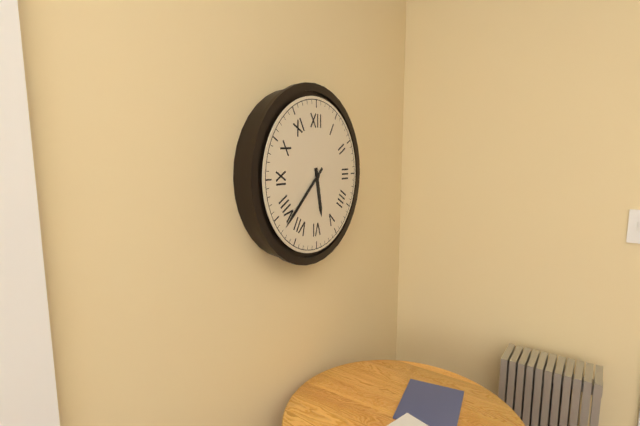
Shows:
5:38
